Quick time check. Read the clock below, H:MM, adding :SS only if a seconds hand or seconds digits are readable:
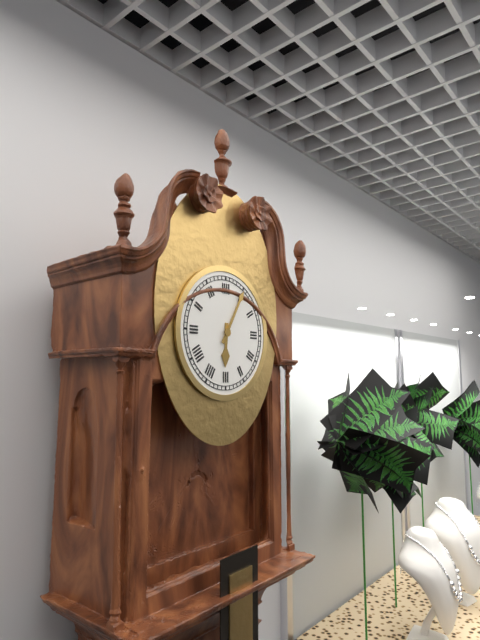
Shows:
6:05
